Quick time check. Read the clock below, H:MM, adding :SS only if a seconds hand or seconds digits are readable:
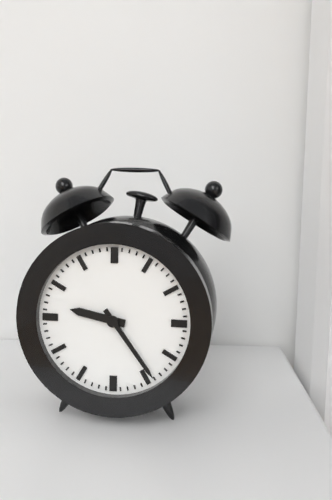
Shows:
9:24
